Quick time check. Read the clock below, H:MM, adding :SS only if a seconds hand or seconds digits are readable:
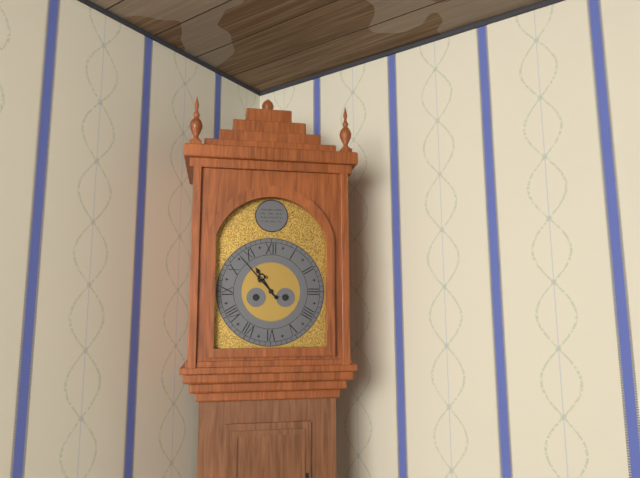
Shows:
10:53
